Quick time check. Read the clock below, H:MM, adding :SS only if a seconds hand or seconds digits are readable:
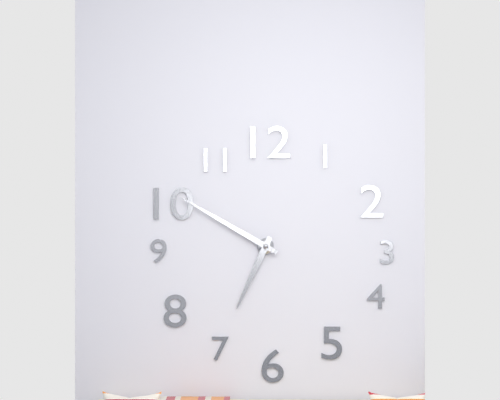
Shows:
6:50
